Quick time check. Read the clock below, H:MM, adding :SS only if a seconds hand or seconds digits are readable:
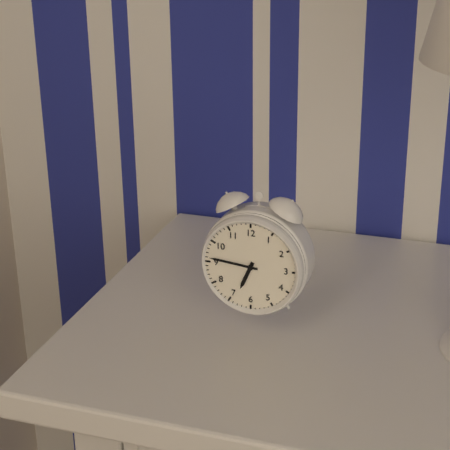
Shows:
6:46
